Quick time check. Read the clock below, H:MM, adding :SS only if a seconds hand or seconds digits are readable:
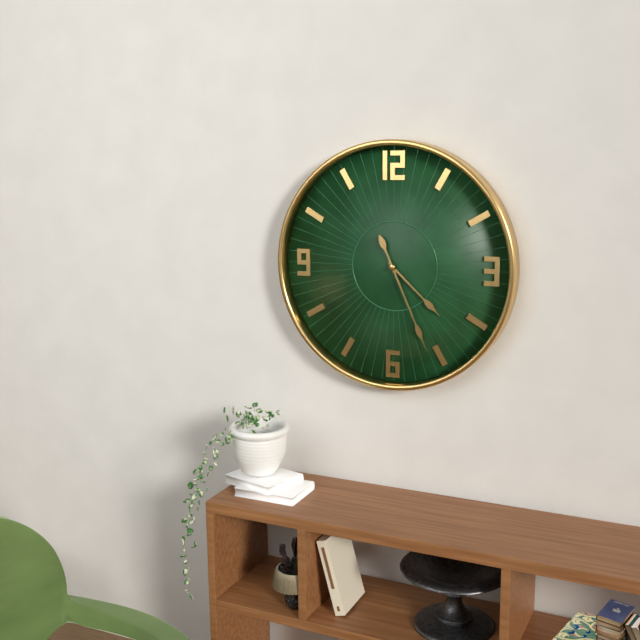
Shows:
4:26
